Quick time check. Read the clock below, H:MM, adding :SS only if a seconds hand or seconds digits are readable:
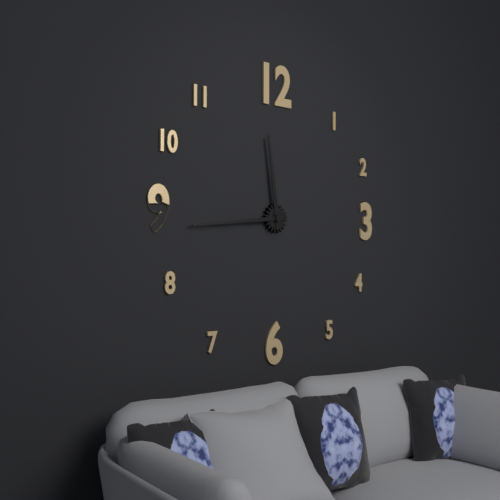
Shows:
11:44
